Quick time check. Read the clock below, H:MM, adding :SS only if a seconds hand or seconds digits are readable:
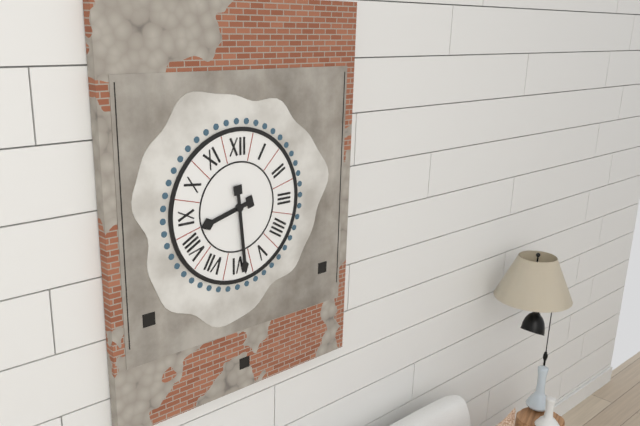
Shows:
8:29
